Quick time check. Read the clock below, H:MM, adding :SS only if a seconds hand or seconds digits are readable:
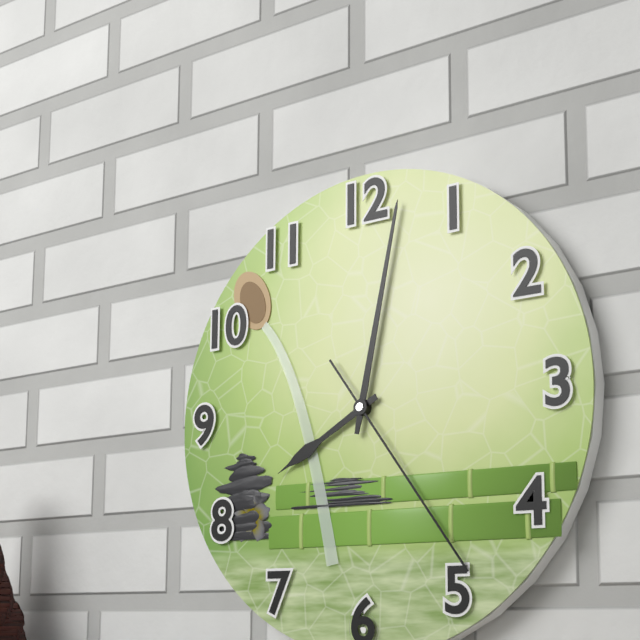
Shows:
8:02:24
